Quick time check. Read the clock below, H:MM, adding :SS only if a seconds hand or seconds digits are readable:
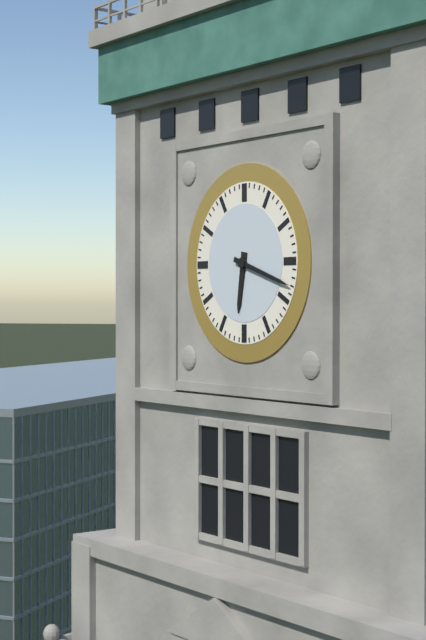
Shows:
6:18
